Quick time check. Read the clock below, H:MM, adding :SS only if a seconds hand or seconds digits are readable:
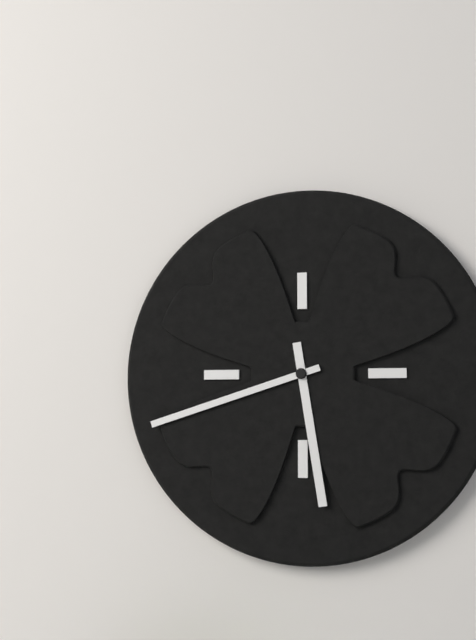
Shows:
5:42
